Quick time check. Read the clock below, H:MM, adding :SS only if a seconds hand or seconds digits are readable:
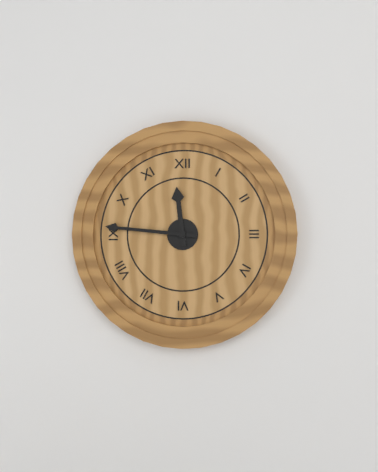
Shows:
11:46
